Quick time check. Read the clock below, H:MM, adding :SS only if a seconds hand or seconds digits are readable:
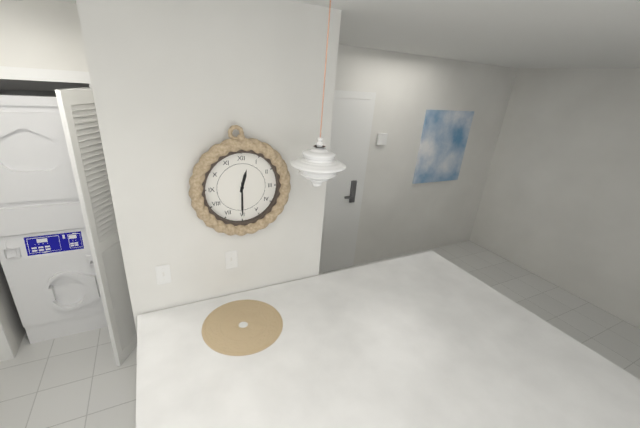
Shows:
12:30
